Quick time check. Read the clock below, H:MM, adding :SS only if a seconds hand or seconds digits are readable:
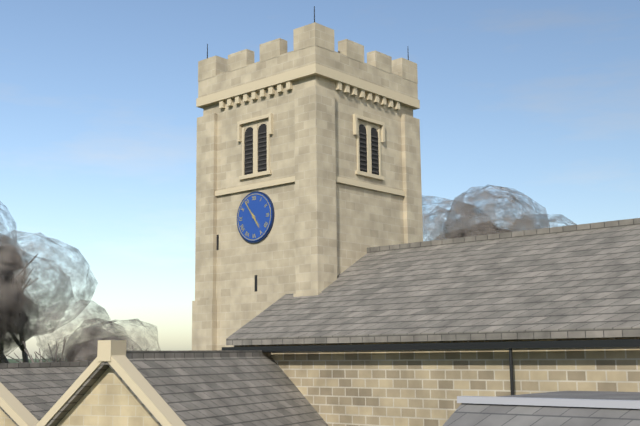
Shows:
4:54
